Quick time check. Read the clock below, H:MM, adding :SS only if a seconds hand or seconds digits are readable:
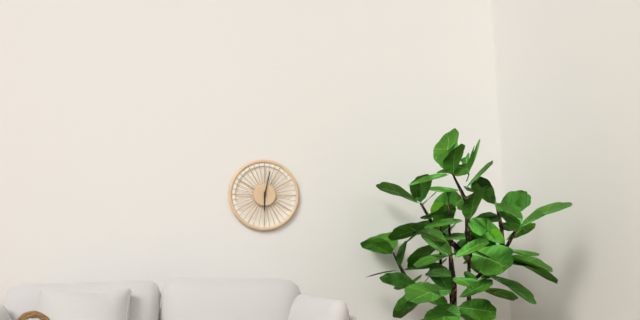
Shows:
6:02
